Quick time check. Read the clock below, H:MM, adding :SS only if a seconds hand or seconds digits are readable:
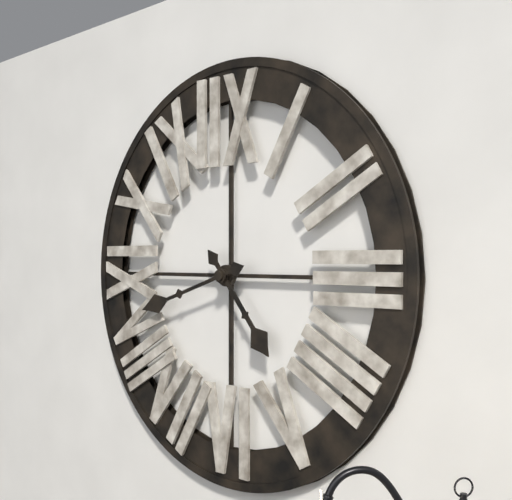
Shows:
4:42
